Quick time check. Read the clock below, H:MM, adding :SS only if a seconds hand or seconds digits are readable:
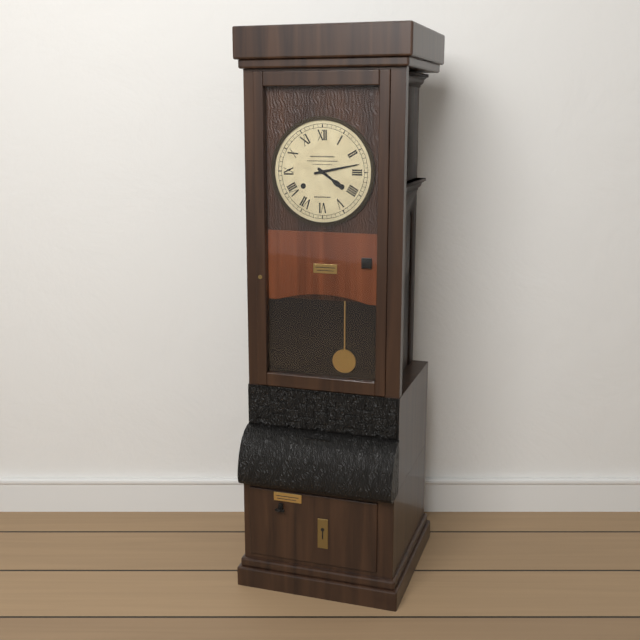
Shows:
4:13
